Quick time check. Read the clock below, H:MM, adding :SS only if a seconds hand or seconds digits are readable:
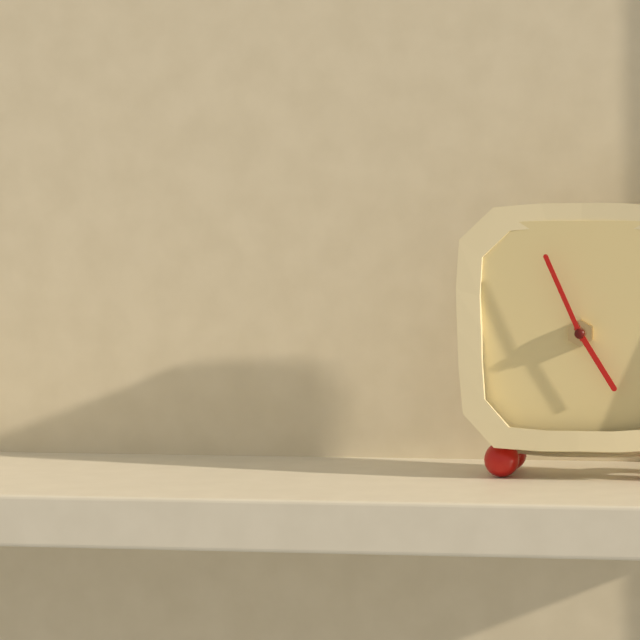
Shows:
4:56
